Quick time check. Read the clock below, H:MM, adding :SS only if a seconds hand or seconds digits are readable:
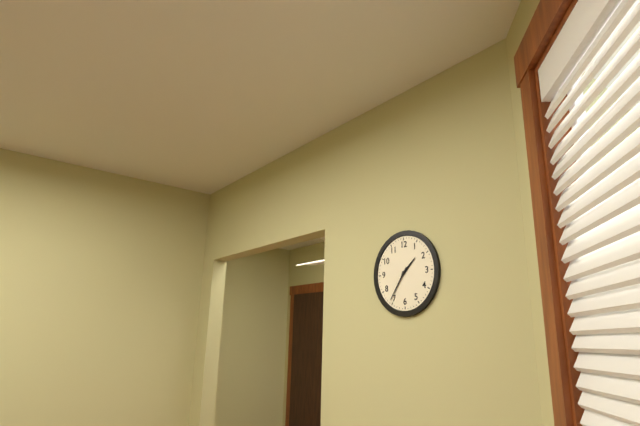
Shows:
1:36
